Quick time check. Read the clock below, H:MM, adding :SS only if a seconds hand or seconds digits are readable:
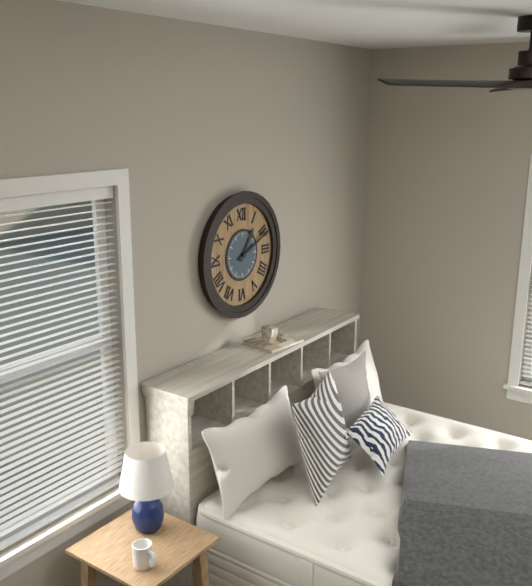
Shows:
1:11
